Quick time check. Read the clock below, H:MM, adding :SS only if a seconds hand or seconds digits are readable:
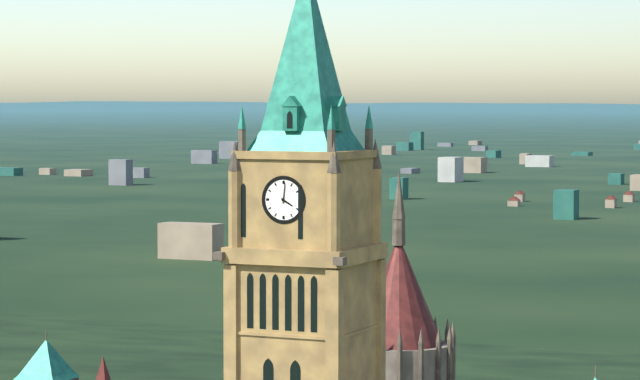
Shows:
4:01
